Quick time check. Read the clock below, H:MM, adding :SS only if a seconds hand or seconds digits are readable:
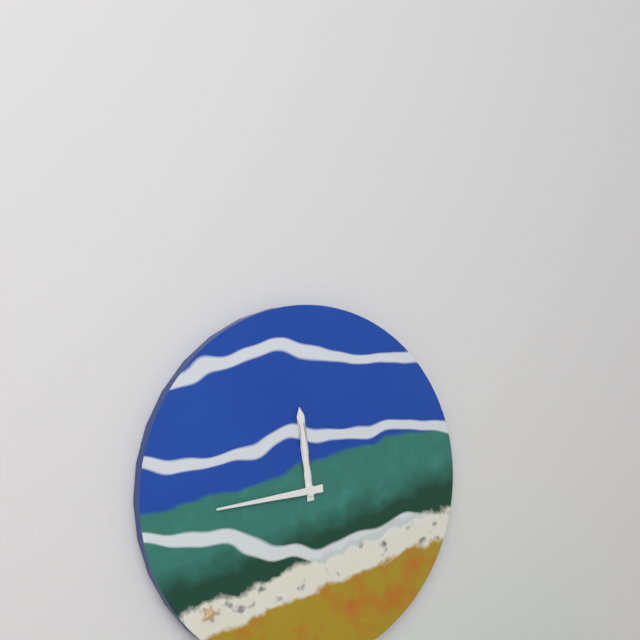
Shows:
11:44
